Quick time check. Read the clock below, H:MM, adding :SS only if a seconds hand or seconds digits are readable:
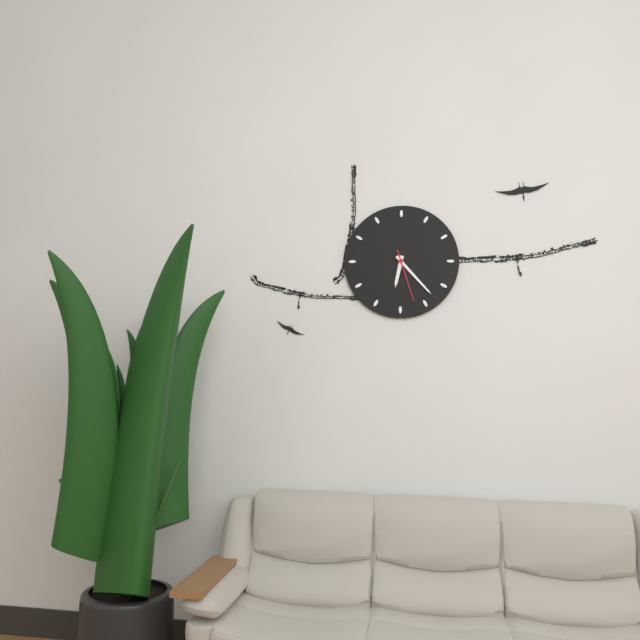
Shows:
6:23:27
